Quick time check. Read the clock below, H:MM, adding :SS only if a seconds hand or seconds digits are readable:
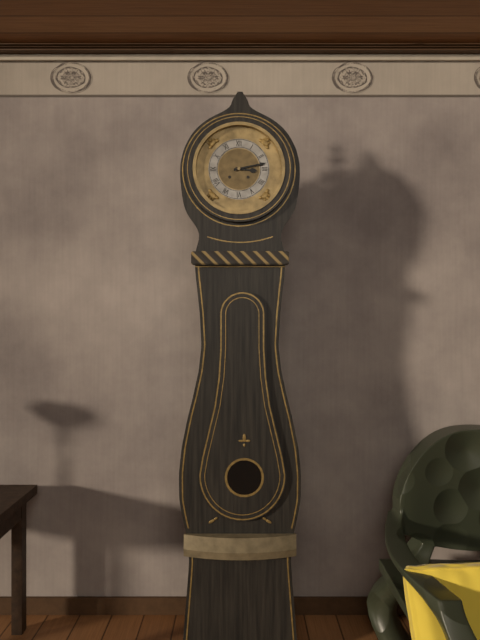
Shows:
3:13
